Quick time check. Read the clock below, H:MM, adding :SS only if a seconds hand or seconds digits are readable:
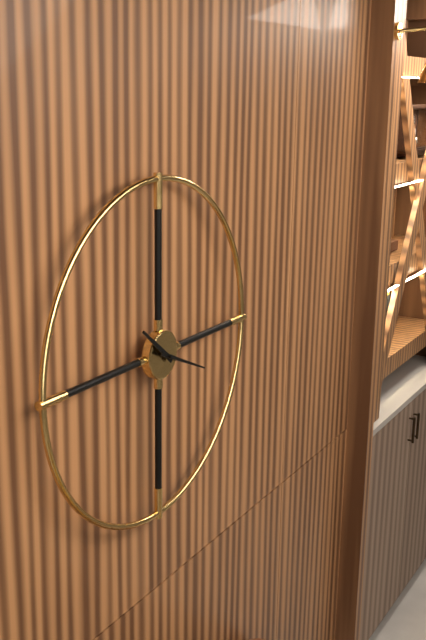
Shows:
10:19
